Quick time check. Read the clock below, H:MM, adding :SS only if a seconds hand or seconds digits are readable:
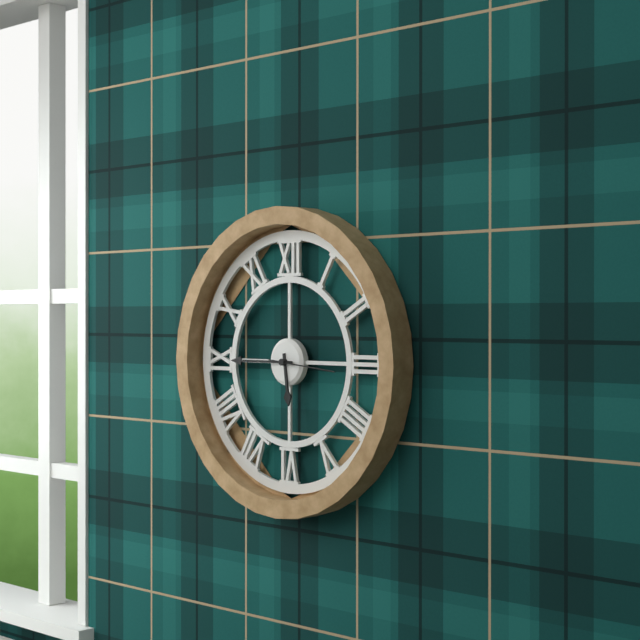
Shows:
5:45
